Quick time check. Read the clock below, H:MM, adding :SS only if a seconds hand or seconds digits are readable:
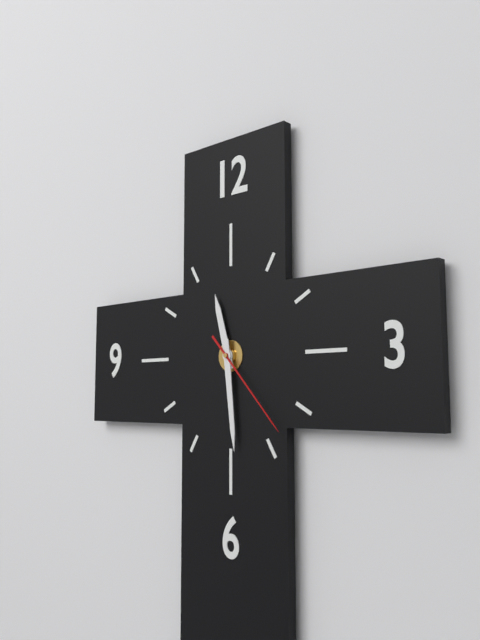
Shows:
11:29:23
